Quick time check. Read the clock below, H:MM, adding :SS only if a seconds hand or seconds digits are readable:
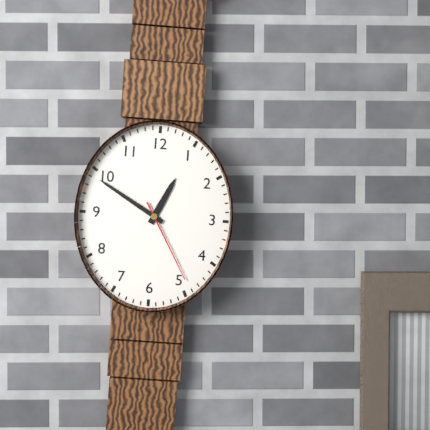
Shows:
12:50:25
